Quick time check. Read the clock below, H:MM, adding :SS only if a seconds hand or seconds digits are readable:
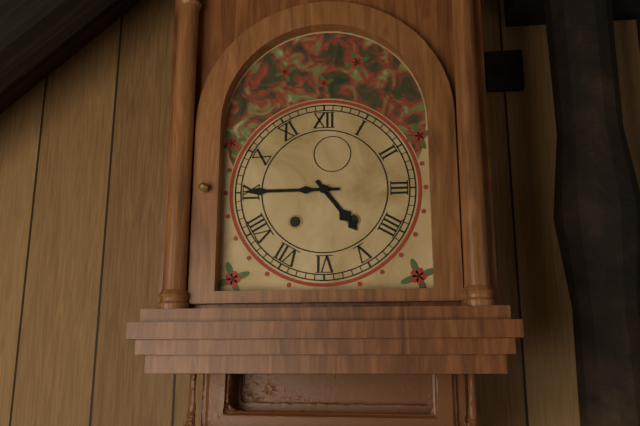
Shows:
4:45
